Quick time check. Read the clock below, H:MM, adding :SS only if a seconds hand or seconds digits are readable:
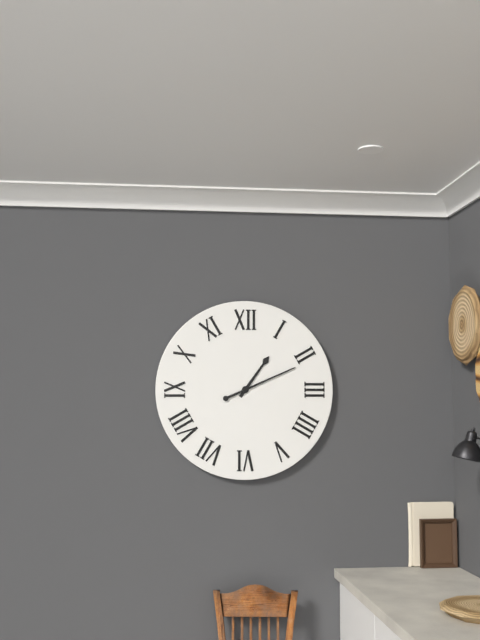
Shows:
1:11
